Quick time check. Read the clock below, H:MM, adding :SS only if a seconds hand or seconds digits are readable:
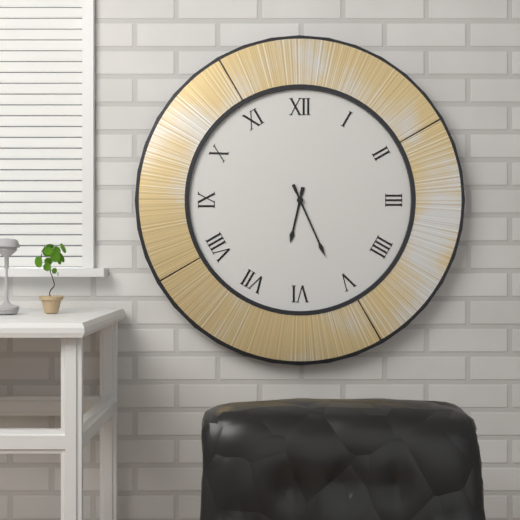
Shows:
6:26
